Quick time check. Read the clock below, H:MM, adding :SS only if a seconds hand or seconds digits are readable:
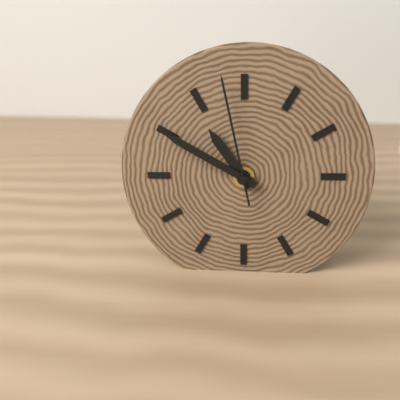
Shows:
10:50:58
